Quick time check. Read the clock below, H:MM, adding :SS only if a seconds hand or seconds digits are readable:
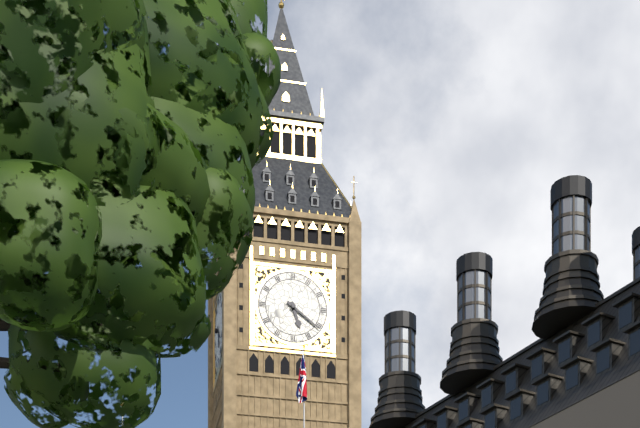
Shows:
5:21
